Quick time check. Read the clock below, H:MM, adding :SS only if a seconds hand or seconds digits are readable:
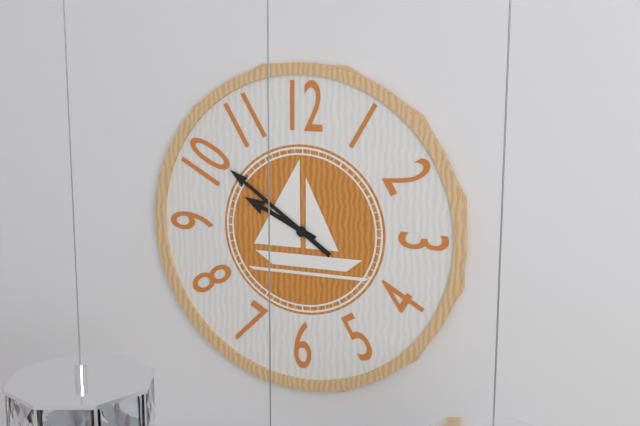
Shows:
9:51
